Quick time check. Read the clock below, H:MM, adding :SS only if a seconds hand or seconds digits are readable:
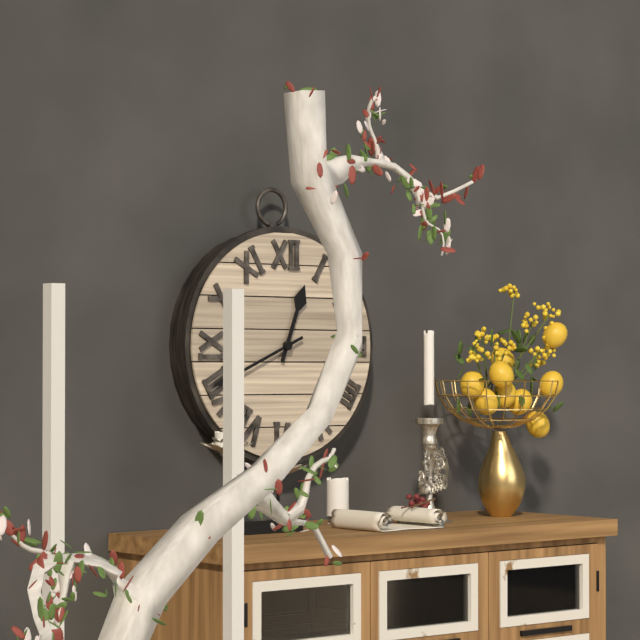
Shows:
12:41
